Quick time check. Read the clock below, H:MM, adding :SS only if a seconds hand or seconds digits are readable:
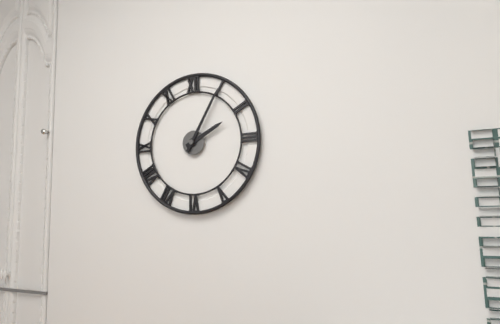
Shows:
2:05
